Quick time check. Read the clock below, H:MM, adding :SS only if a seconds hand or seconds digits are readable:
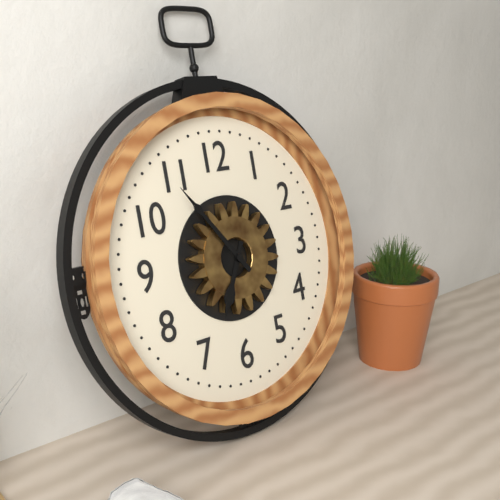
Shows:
6:54
